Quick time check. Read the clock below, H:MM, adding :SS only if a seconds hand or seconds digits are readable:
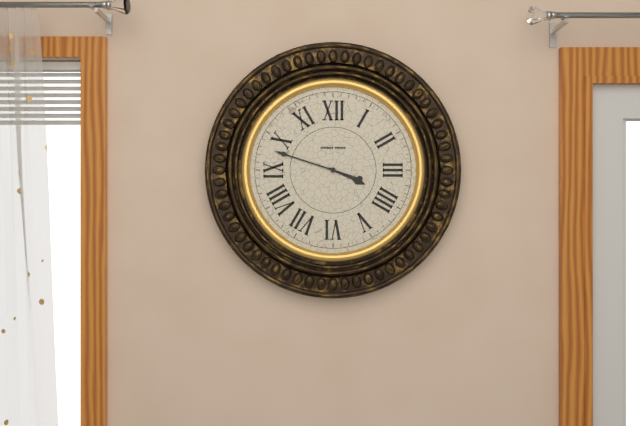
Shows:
3:48
